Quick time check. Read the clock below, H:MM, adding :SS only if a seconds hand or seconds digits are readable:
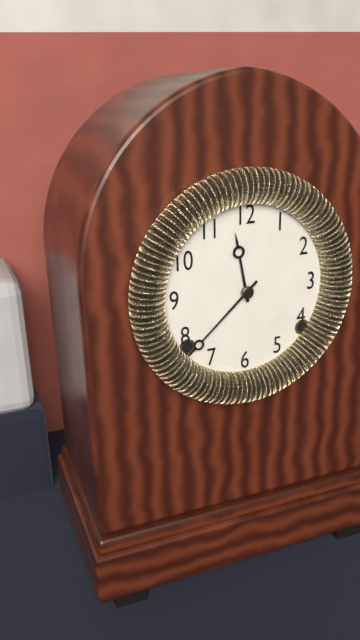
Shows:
11:38
